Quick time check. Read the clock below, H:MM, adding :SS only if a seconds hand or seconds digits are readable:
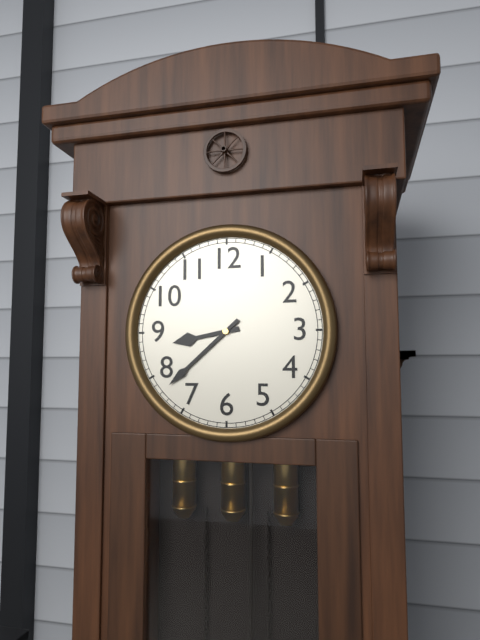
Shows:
8:38
